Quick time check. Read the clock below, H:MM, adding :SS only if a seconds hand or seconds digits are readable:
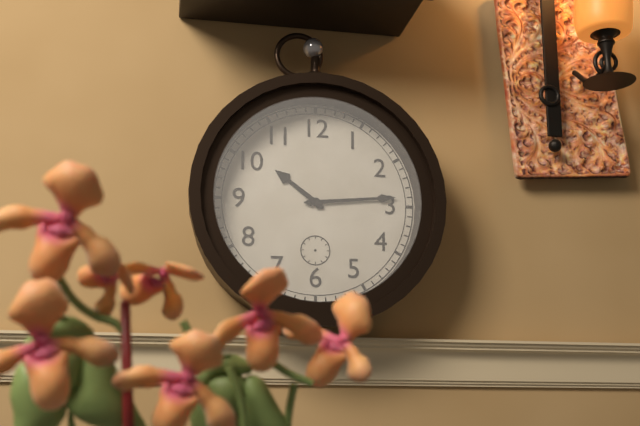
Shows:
10:14
